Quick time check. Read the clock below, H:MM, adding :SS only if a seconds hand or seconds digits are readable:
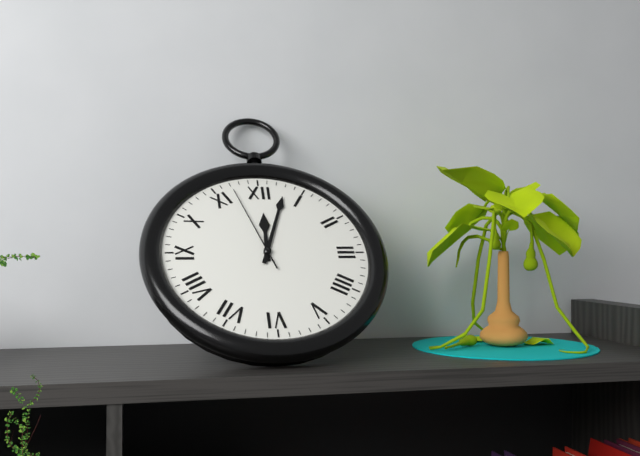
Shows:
12:03:57
